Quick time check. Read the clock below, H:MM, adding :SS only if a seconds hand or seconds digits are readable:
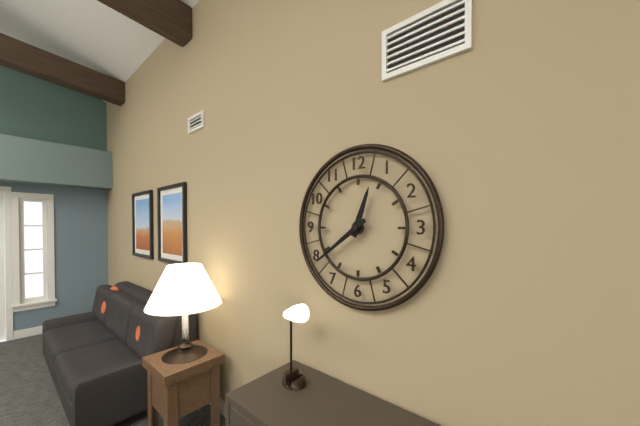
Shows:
12:39
